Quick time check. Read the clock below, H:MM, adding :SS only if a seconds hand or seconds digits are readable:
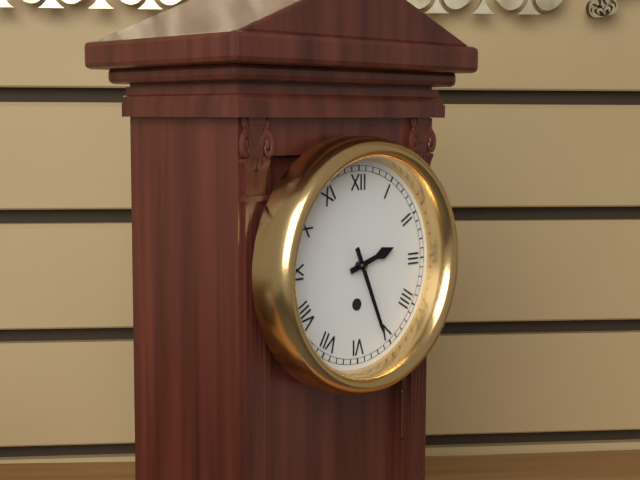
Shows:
2:26
